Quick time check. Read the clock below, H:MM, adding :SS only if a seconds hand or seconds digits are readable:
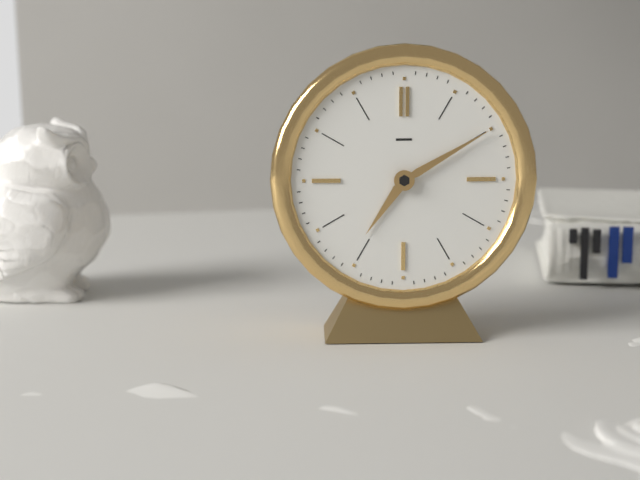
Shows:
7:10
